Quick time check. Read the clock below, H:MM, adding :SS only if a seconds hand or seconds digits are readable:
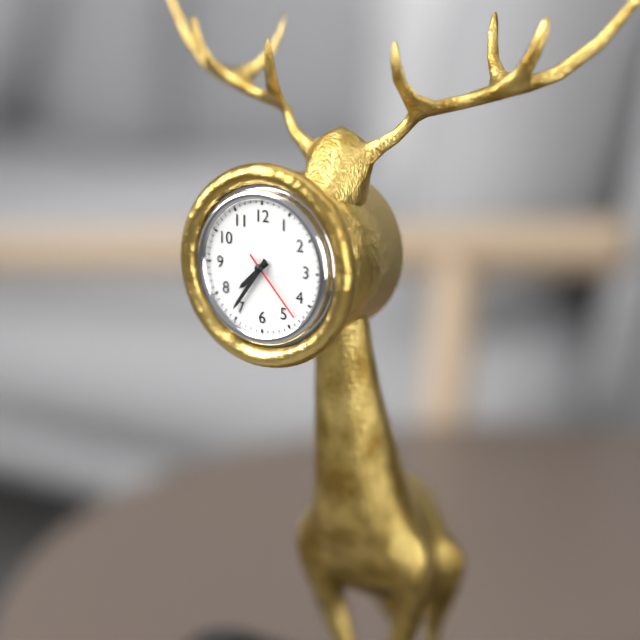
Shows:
7:36:23
